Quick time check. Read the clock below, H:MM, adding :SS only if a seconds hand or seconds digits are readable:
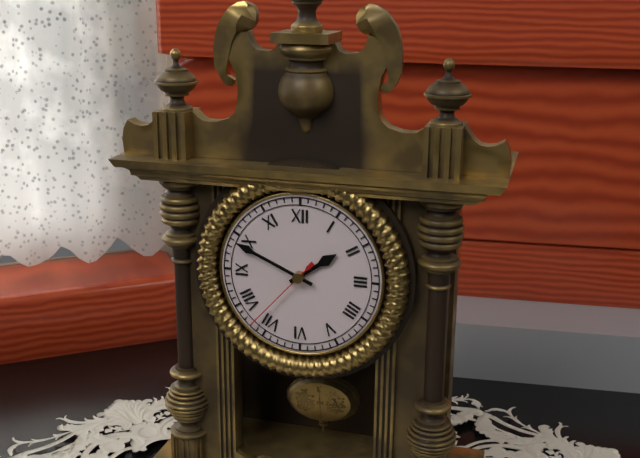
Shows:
1:49:37
